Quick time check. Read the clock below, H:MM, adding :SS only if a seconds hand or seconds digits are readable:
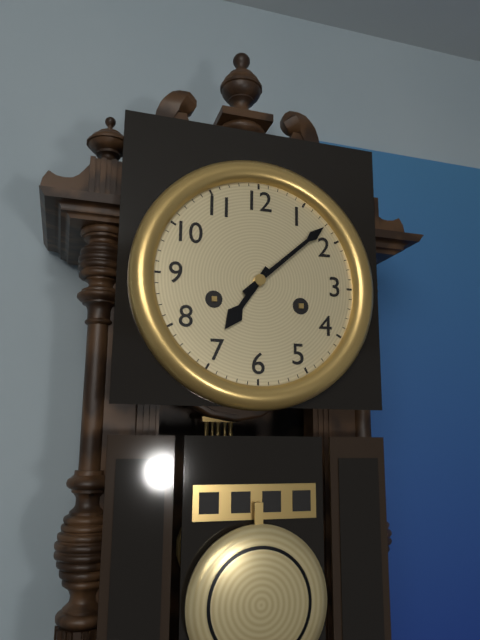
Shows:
7:08
